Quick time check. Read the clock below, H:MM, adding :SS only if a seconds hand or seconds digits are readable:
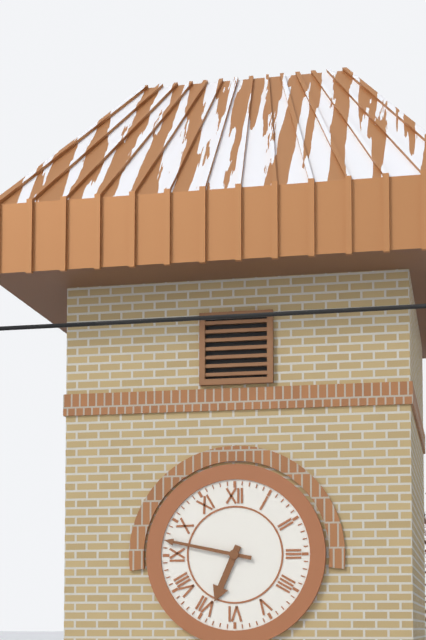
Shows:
6:47
